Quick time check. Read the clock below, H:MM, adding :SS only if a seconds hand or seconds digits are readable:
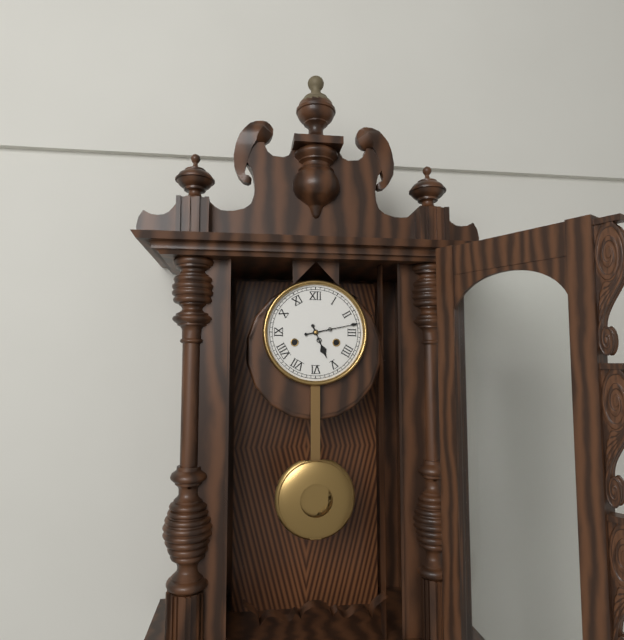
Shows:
5:13
